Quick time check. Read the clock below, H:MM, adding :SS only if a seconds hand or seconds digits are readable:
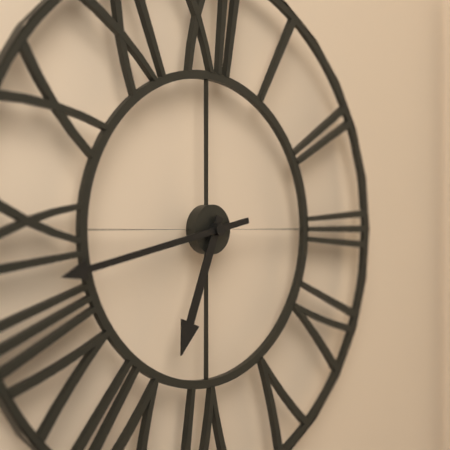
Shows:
6:43
